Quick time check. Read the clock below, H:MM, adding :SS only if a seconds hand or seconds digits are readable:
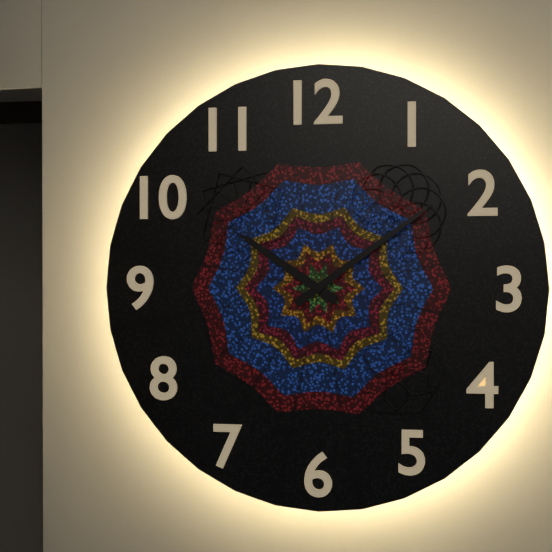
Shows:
10:09
